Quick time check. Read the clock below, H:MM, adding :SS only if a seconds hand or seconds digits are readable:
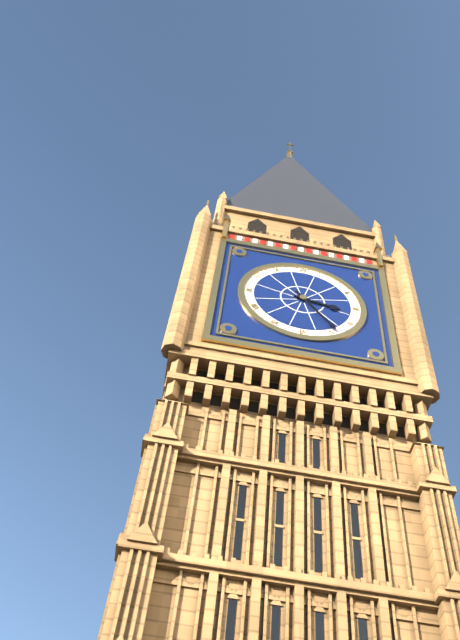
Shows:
3:24
